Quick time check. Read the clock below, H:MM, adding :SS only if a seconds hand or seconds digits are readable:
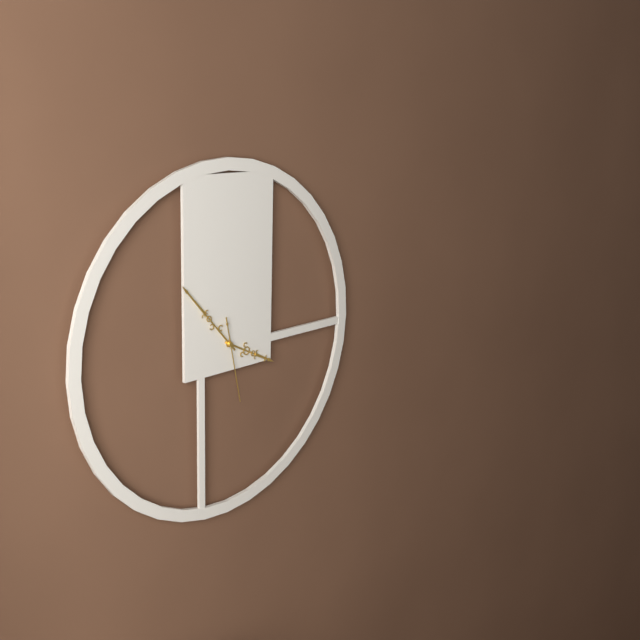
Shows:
3:53:28
